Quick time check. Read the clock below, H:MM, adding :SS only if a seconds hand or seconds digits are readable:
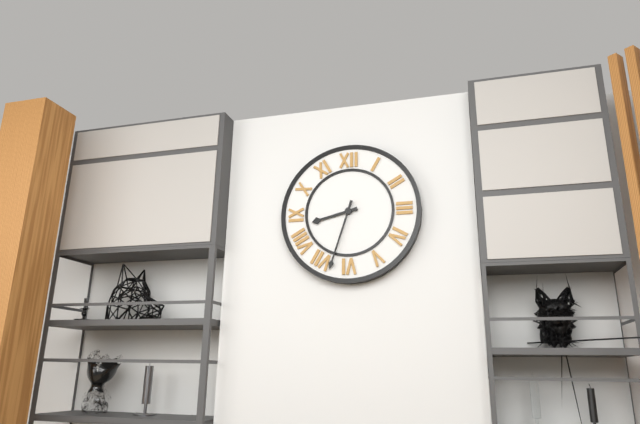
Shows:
8:33
